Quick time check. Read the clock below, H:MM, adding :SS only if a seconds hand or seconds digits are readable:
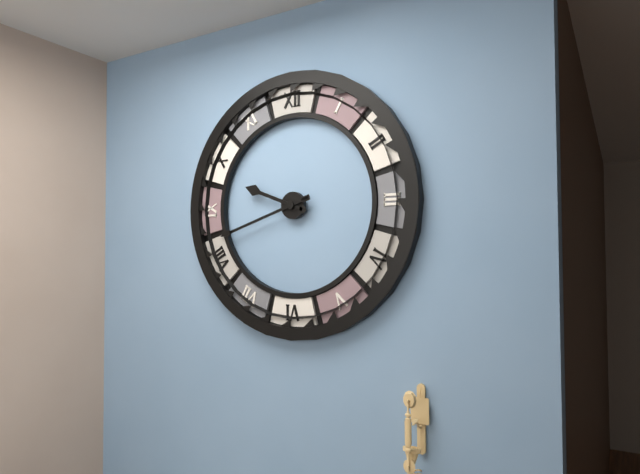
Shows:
9:42
